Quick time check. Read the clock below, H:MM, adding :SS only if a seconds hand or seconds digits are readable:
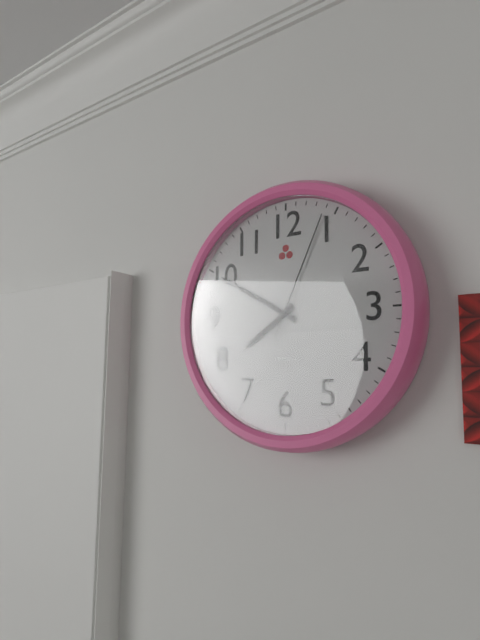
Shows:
7:50:04
